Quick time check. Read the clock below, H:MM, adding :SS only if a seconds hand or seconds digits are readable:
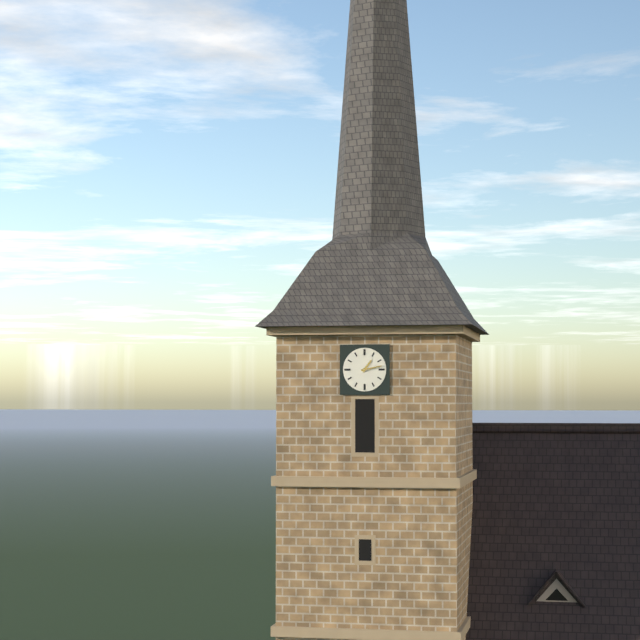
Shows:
1:13
